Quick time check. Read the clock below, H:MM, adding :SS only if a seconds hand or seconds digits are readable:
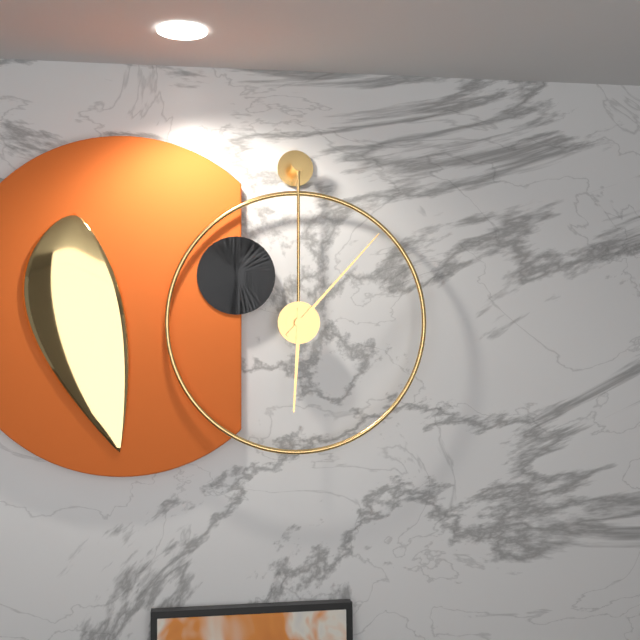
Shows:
6:07
